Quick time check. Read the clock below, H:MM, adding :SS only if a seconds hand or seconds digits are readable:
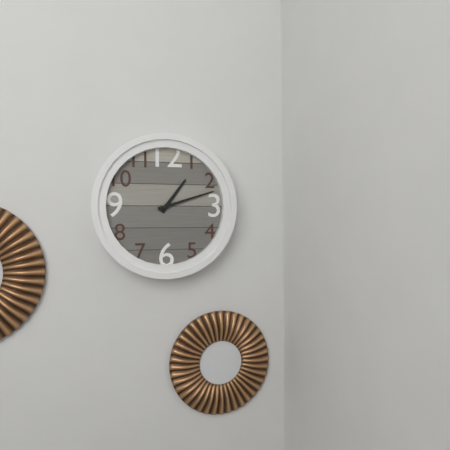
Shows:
1:12
